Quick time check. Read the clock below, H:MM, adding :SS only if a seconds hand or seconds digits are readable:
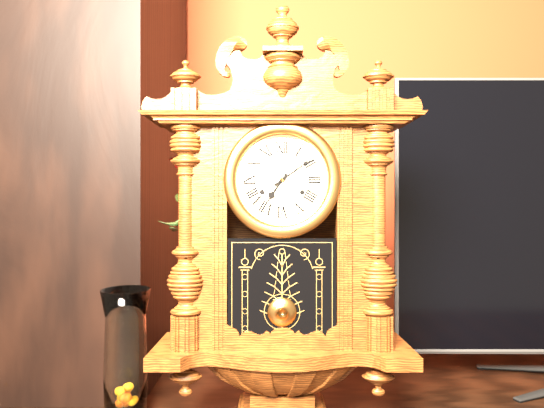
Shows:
7:09
